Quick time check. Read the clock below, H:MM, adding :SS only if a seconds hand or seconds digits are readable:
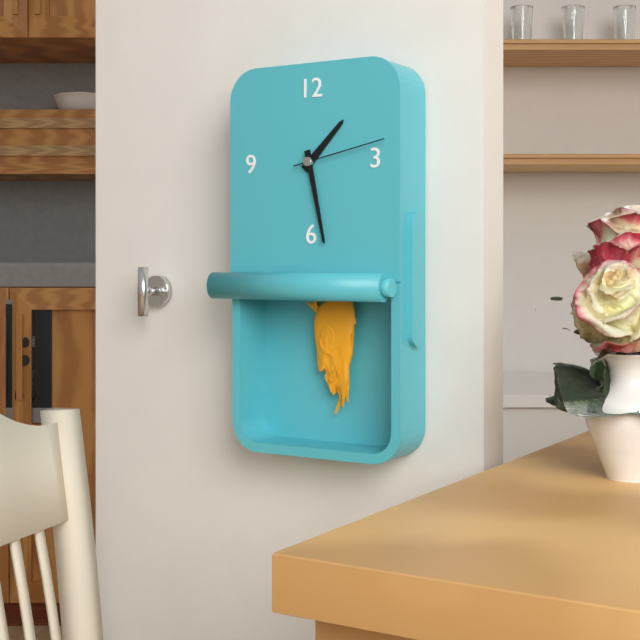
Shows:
1:28:13
